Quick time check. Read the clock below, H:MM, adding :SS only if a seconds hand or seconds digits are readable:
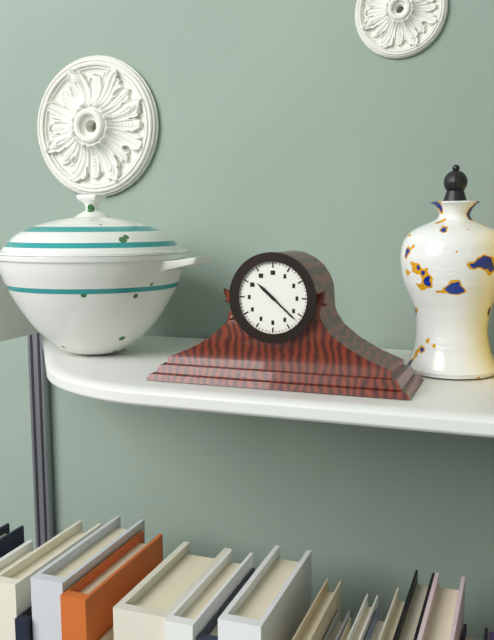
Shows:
10:22
